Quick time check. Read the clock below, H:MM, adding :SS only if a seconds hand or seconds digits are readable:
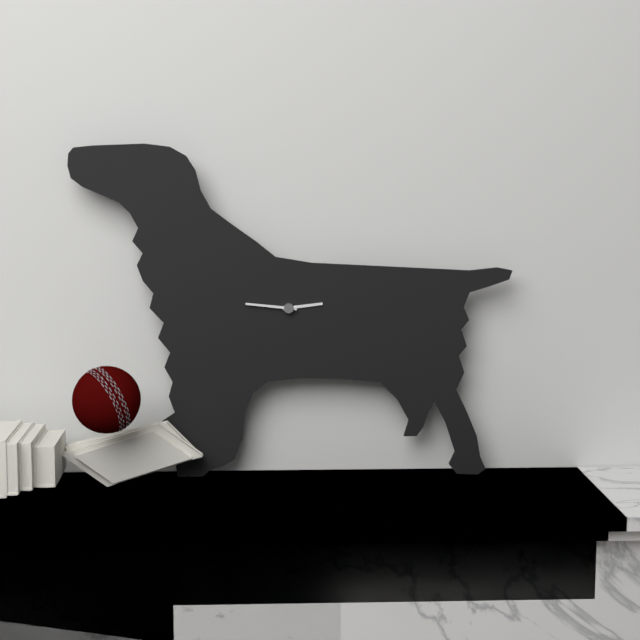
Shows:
2:46
